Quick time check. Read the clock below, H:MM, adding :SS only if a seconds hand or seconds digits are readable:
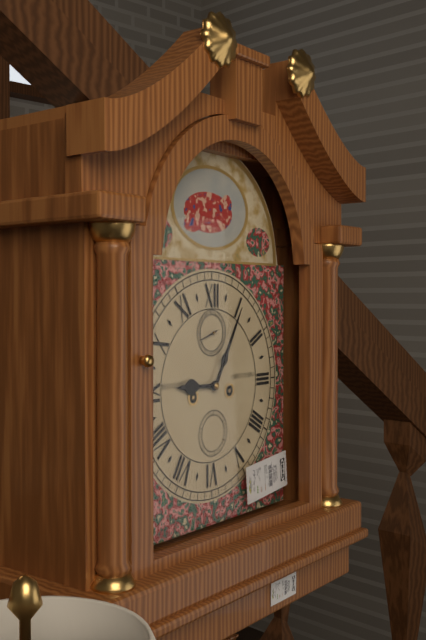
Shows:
9:05
